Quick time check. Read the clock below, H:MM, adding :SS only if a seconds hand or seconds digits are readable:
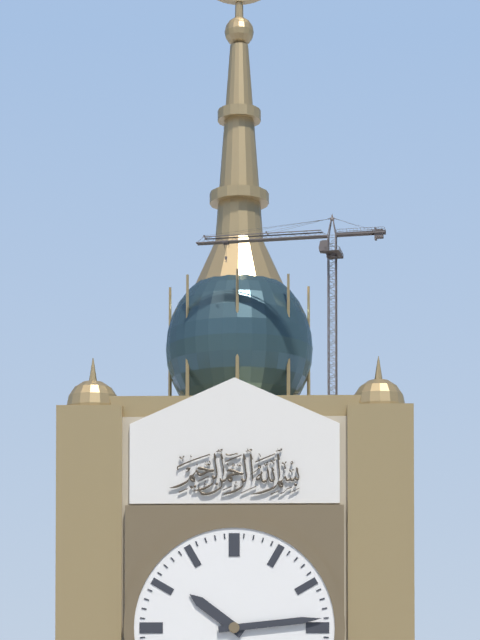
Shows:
10:14
